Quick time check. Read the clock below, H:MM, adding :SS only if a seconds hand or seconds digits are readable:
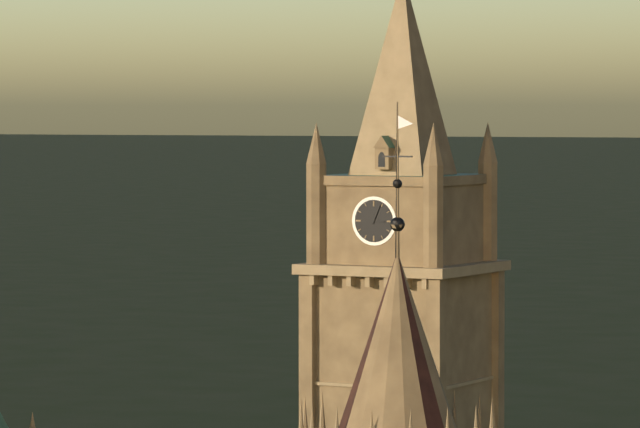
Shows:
3:04
